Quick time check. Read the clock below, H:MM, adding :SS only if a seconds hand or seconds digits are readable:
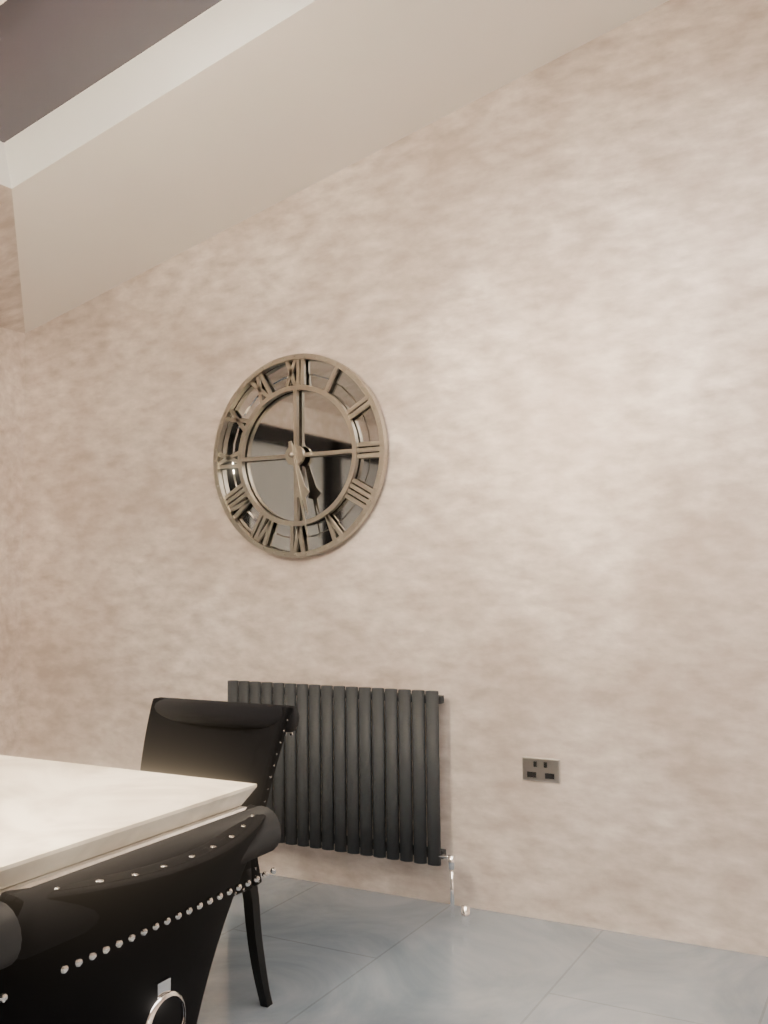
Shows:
5:28
